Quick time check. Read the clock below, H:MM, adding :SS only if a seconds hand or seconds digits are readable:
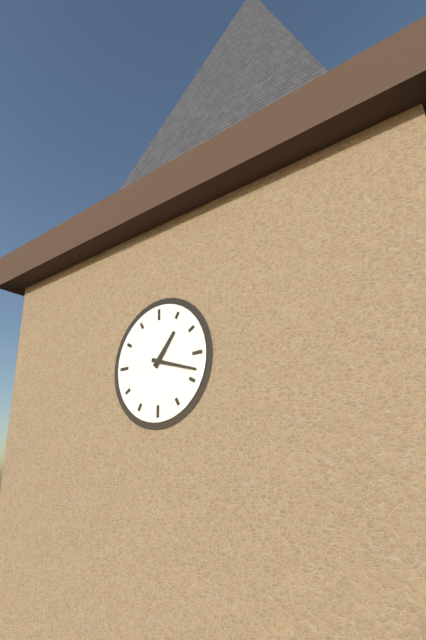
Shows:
1:18
